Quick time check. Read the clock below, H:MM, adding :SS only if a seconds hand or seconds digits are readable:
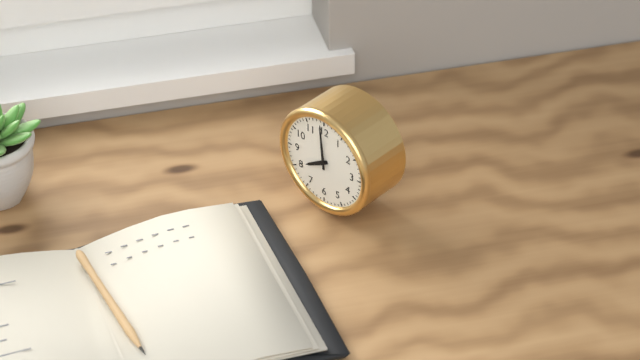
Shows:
7:59
